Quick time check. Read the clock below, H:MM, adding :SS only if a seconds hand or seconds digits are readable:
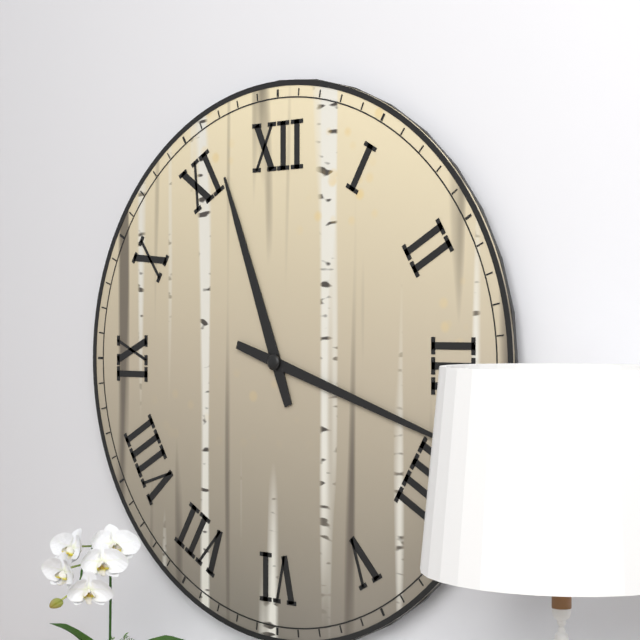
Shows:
11:18
